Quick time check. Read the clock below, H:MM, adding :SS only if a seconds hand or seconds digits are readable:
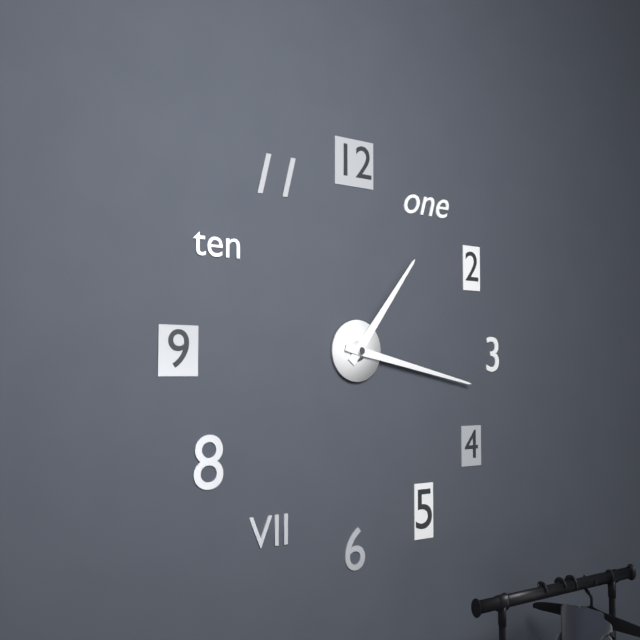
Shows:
1:17
